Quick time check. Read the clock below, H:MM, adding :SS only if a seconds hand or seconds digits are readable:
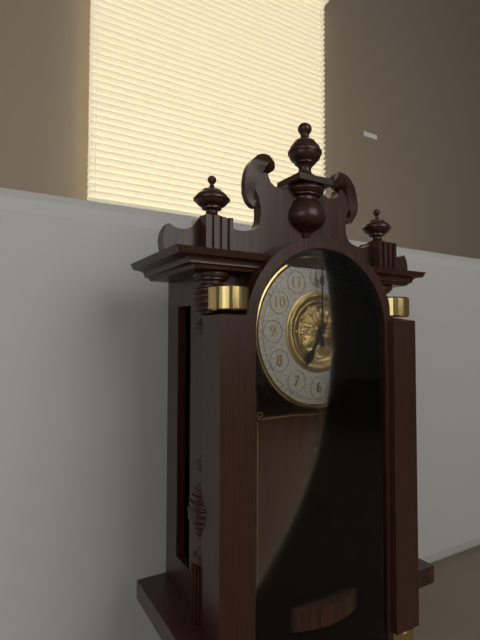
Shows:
7:00
